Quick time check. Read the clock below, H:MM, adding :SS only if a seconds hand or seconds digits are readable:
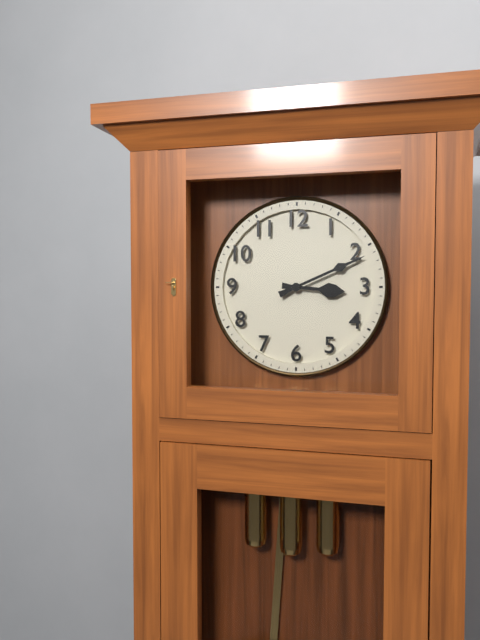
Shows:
3:11
